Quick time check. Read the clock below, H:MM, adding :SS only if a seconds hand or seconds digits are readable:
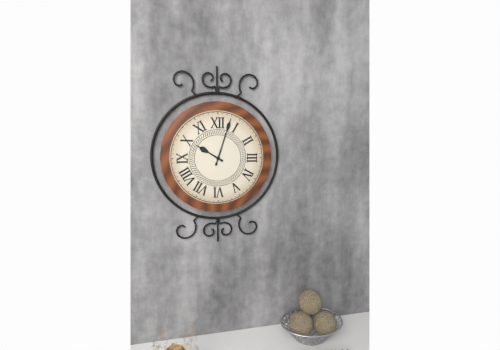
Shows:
10:03
